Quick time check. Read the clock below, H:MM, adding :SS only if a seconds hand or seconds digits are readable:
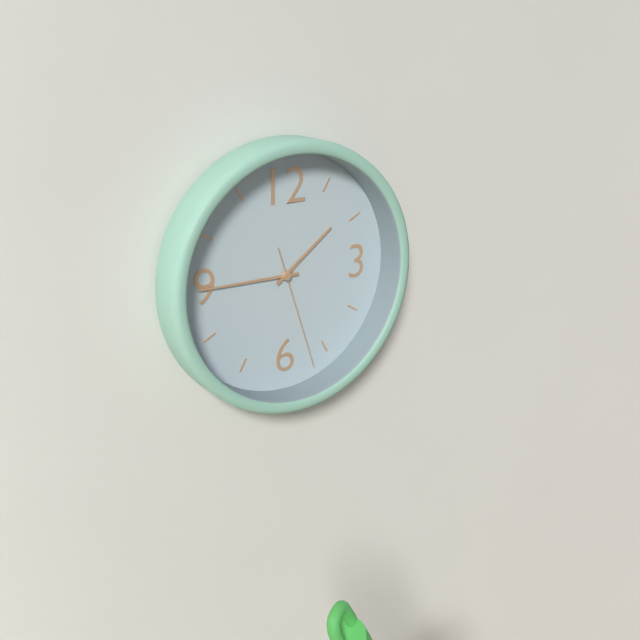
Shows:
1:45:27
